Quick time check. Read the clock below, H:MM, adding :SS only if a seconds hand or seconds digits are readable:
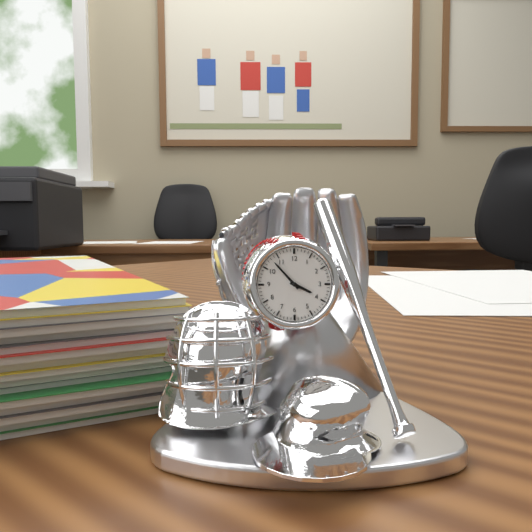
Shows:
3:53
